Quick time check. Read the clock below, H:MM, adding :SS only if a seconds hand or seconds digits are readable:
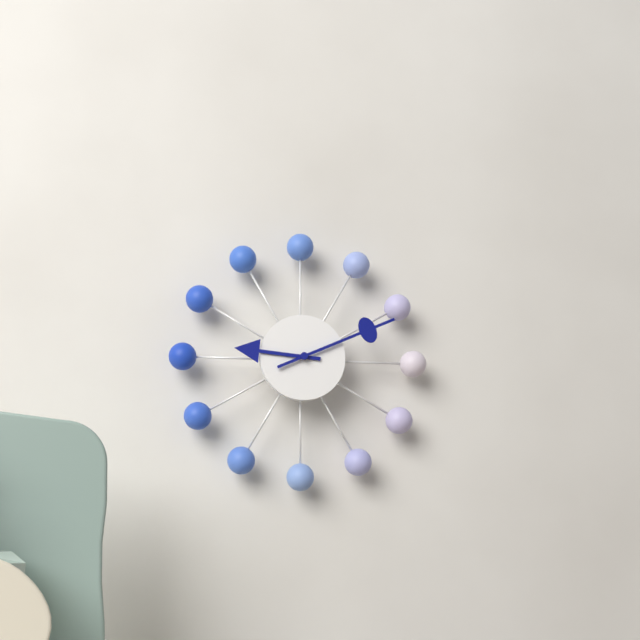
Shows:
9:11
